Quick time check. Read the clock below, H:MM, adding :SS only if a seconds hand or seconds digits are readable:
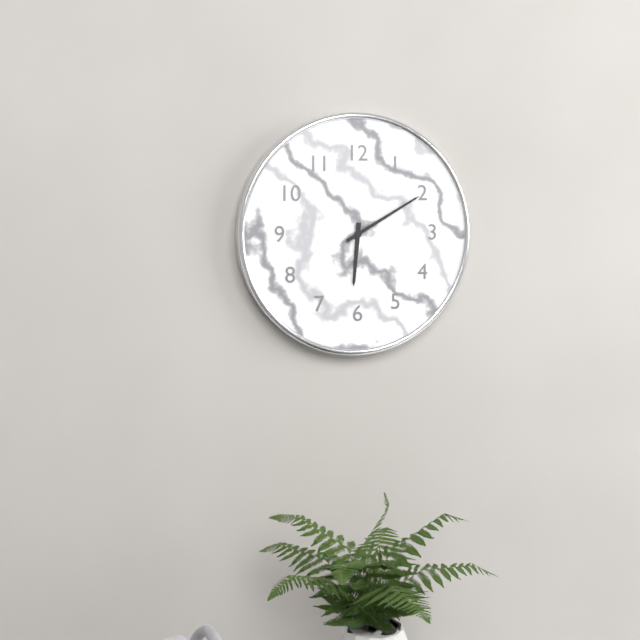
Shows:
6:10
